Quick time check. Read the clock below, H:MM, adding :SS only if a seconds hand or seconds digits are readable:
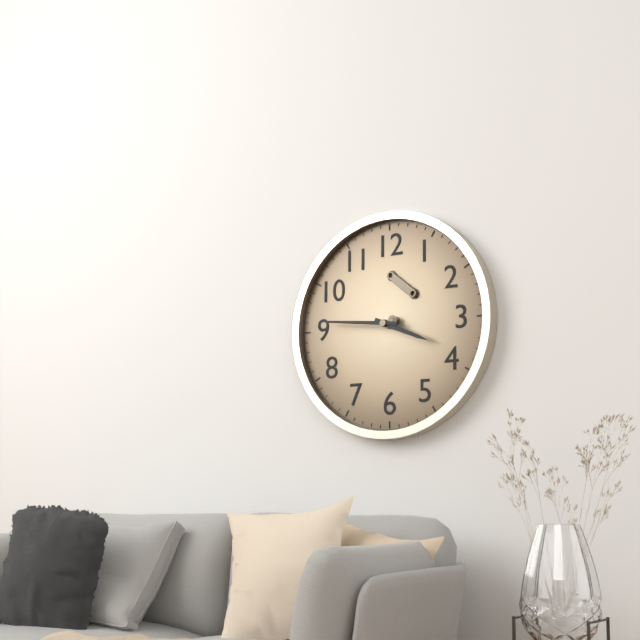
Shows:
3:46
